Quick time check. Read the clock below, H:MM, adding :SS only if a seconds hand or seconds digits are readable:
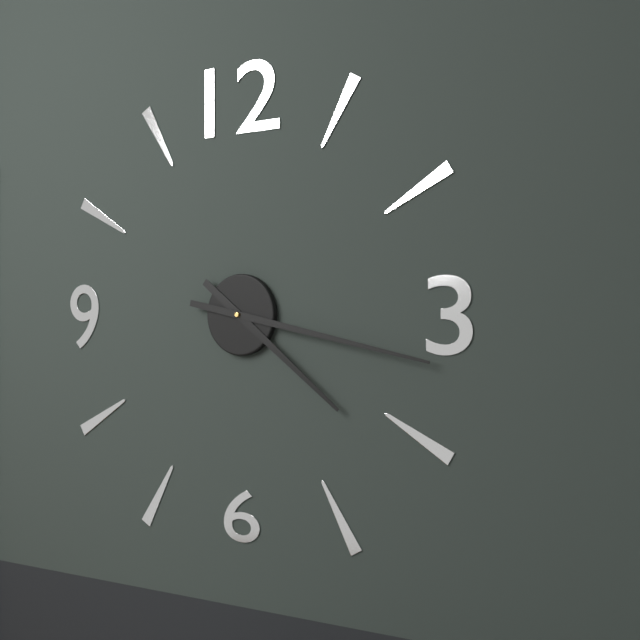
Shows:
4:17
